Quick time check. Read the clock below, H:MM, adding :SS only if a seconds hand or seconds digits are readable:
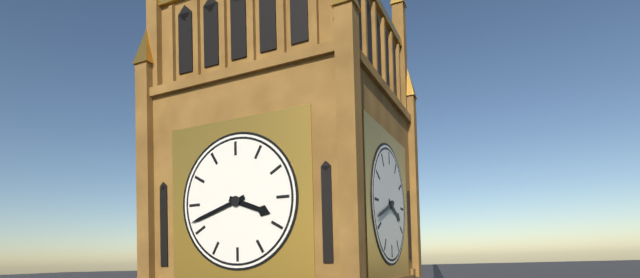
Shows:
3:42
